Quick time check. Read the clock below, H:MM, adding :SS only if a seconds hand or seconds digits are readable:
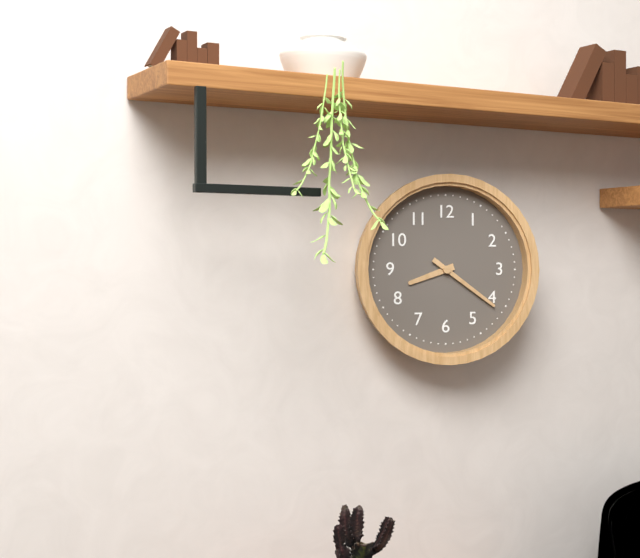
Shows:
8:21
